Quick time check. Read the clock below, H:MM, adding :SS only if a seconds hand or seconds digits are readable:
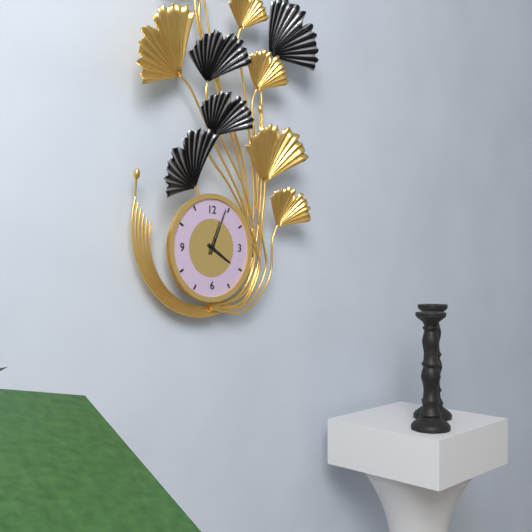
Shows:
4:04
